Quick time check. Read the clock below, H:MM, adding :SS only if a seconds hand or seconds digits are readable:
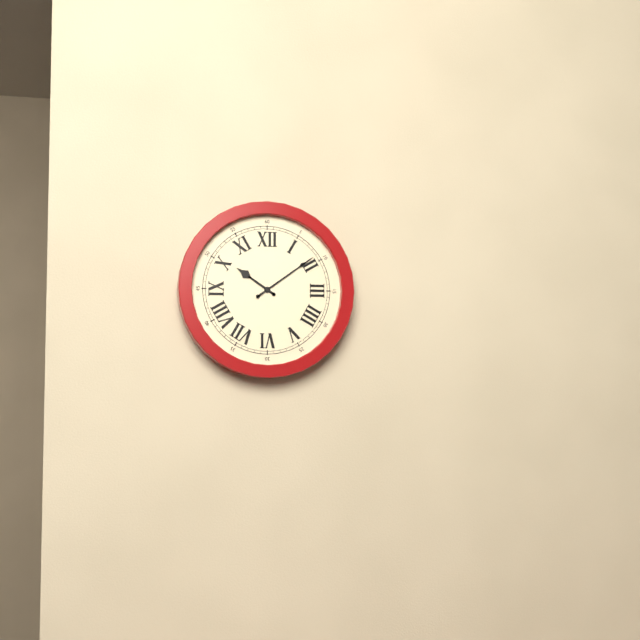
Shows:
10:09
